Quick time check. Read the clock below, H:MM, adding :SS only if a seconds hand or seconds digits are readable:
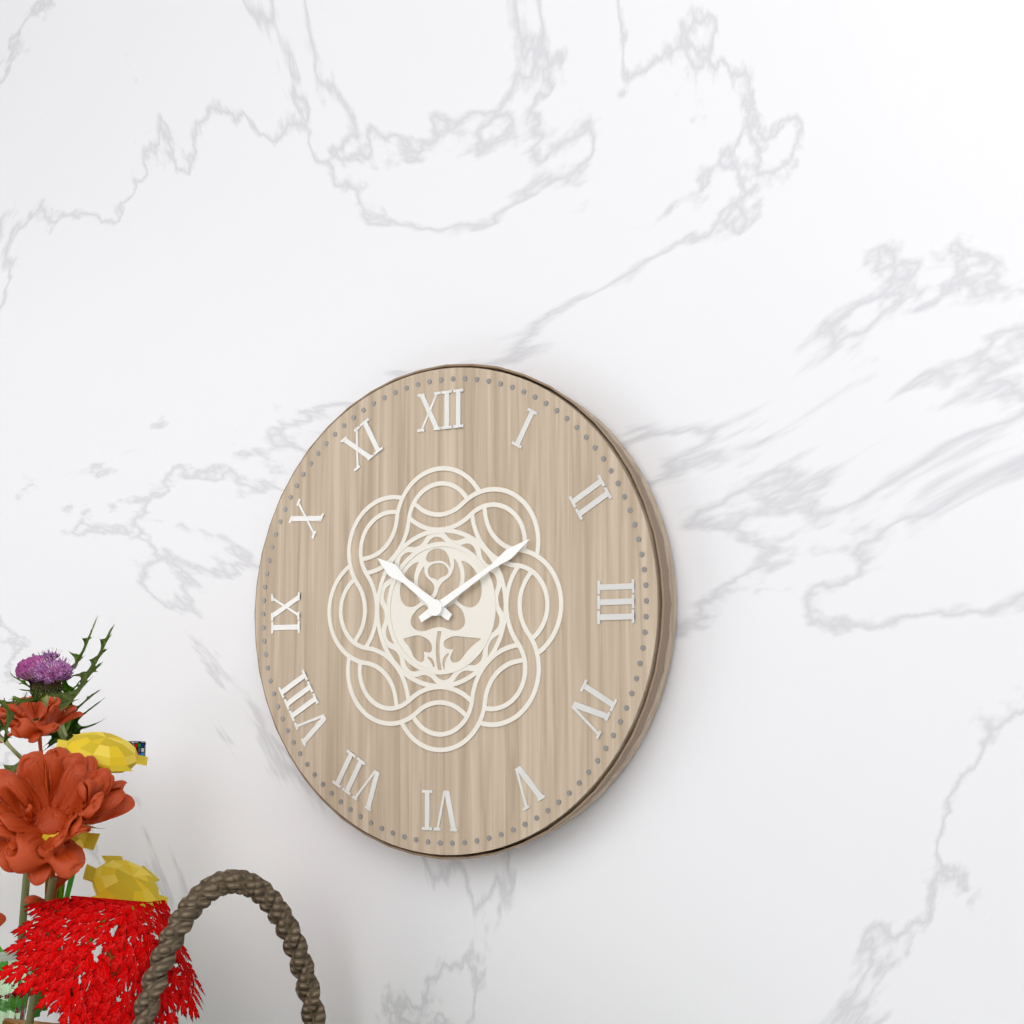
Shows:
10:10
